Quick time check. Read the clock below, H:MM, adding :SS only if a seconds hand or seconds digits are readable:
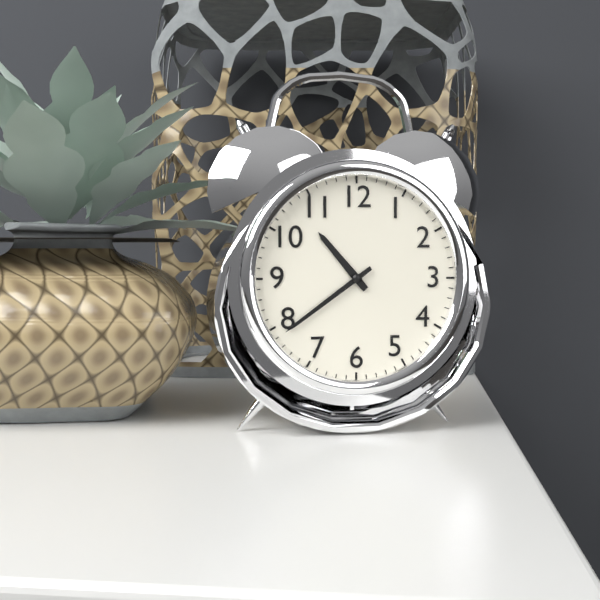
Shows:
10:39
